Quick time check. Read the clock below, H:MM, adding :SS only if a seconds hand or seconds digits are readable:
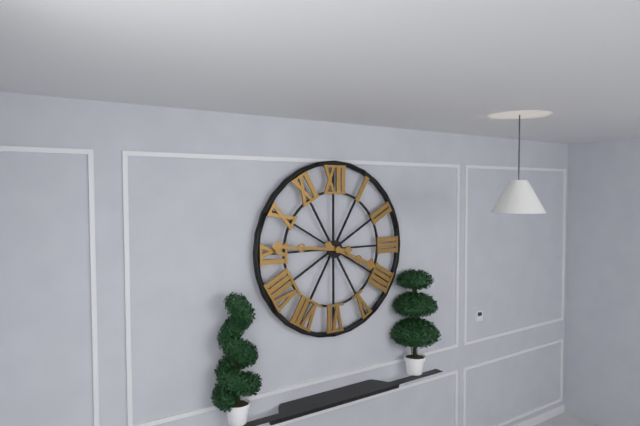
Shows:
3:46
